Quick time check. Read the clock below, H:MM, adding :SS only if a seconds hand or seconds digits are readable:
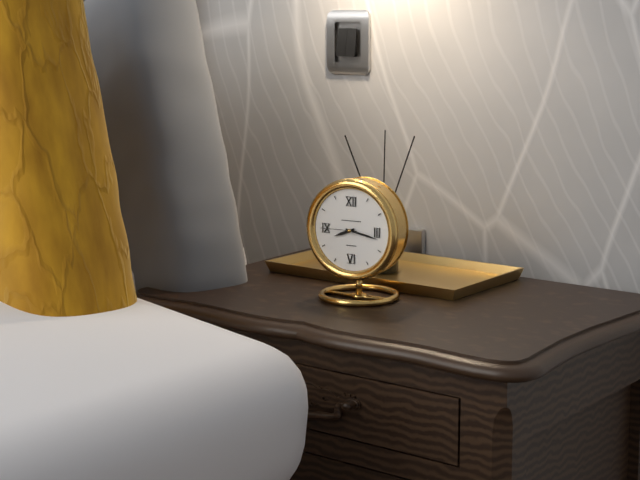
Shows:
8:17
